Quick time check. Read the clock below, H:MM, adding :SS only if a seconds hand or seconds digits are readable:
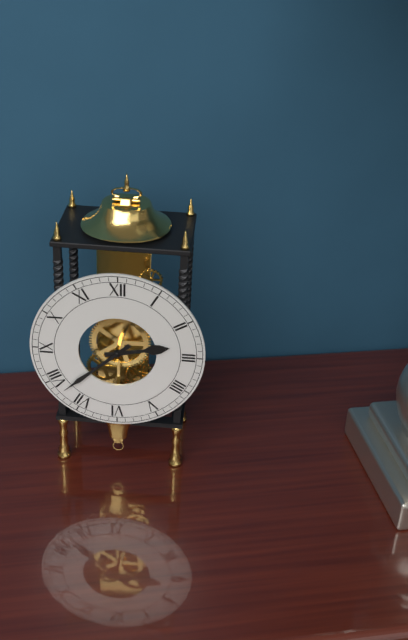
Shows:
2:38
